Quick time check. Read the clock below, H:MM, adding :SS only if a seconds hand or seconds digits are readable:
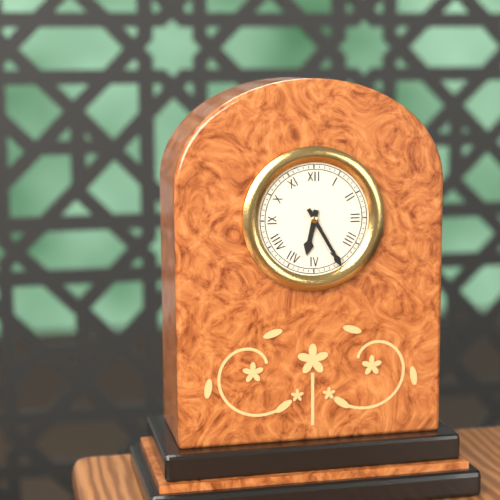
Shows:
6:25
